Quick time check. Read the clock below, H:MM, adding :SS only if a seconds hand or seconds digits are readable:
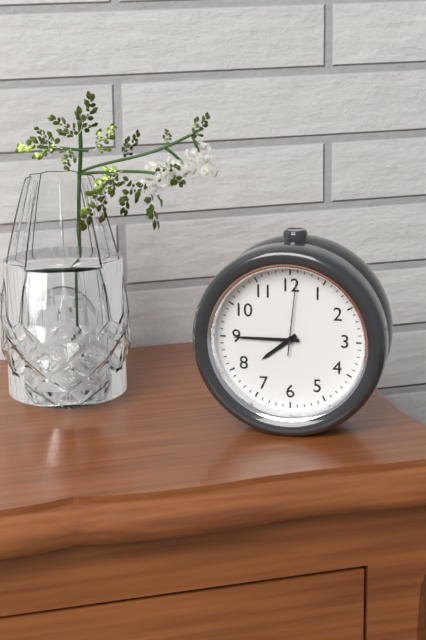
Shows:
7:45:01
